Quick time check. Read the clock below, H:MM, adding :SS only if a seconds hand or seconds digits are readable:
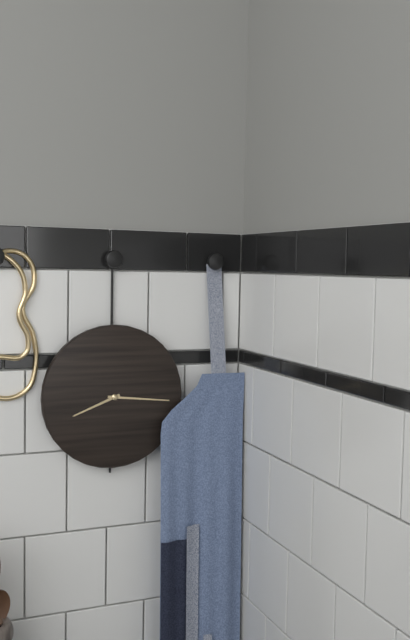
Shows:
8:16
